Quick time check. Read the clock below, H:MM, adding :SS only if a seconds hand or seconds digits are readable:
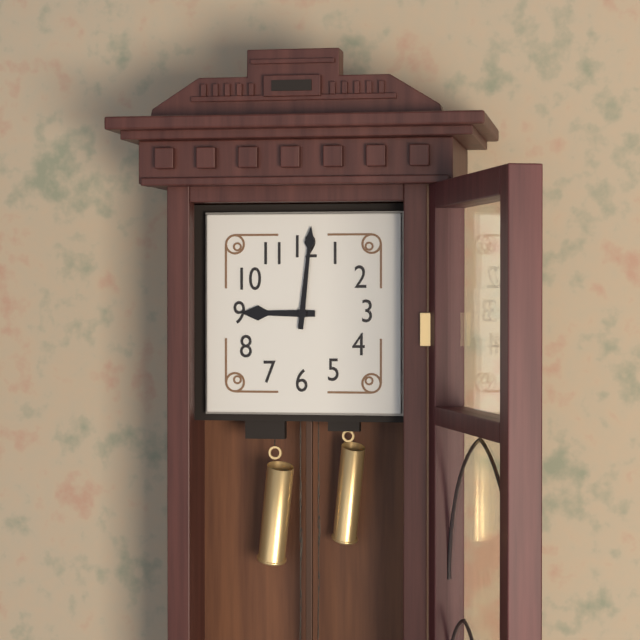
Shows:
9:01
